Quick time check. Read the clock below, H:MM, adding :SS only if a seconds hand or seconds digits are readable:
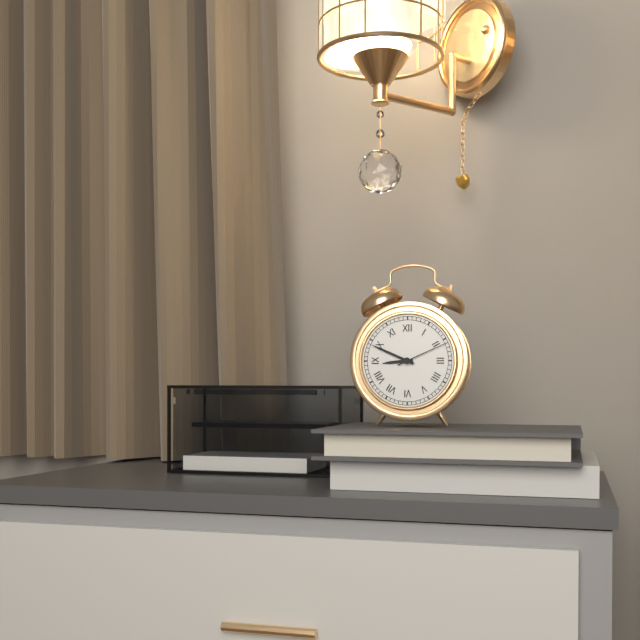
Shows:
8:49:11
